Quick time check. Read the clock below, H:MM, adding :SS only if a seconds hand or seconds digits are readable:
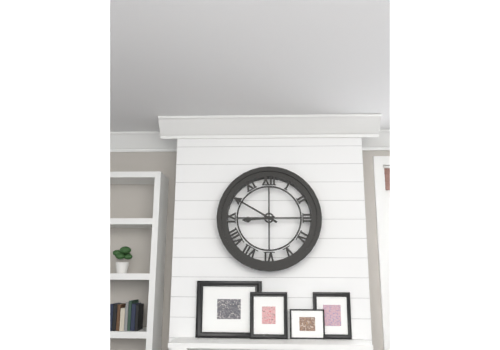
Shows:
8:50
